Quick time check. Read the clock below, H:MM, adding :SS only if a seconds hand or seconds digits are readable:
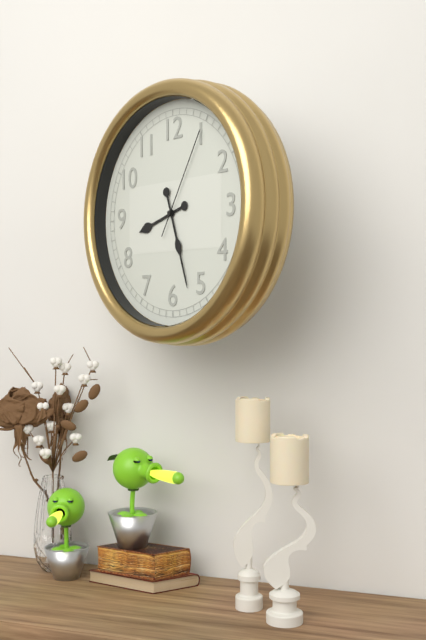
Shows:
8:27:05
